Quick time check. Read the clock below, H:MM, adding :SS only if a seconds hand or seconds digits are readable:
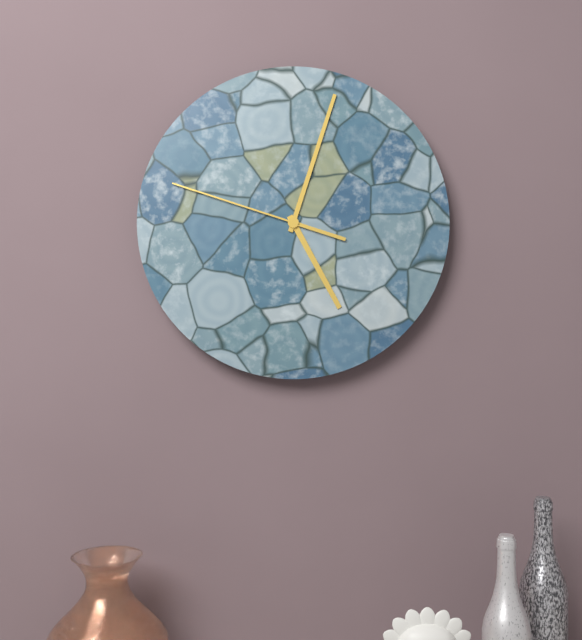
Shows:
5:03:48
